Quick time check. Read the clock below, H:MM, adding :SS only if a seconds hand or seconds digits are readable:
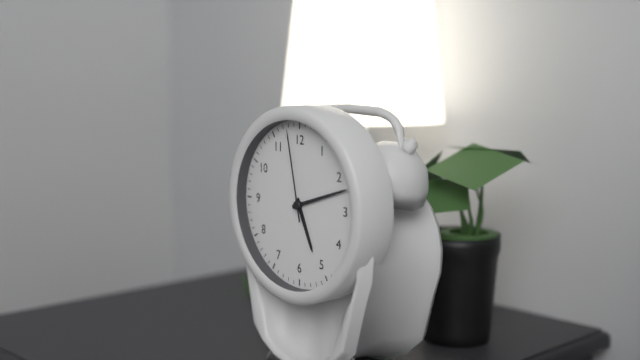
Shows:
5:12:58
